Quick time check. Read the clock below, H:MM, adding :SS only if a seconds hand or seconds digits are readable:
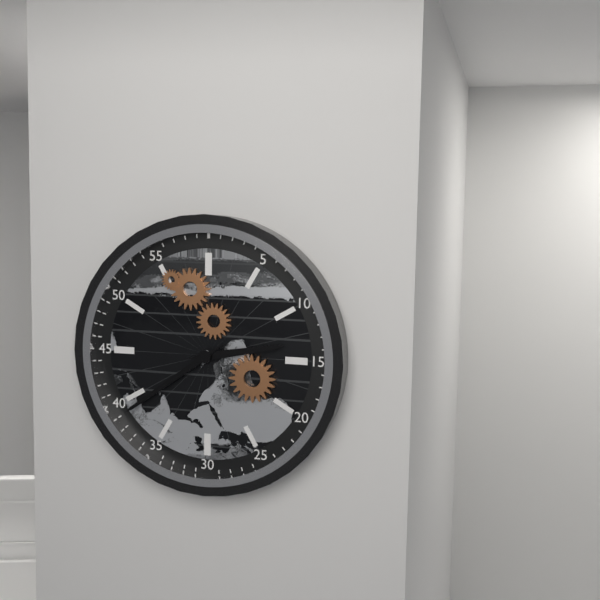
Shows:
2:39
